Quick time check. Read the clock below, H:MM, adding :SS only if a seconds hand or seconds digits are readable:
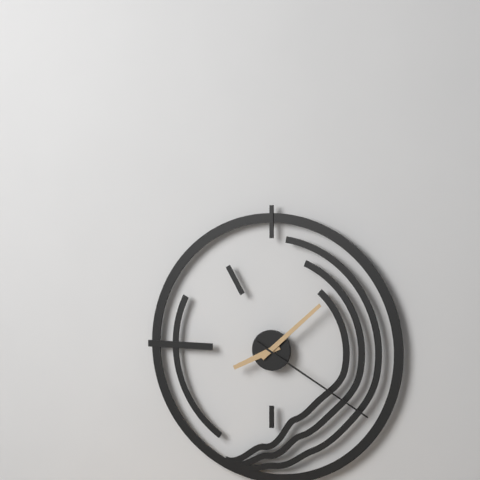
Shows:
8:08:20
